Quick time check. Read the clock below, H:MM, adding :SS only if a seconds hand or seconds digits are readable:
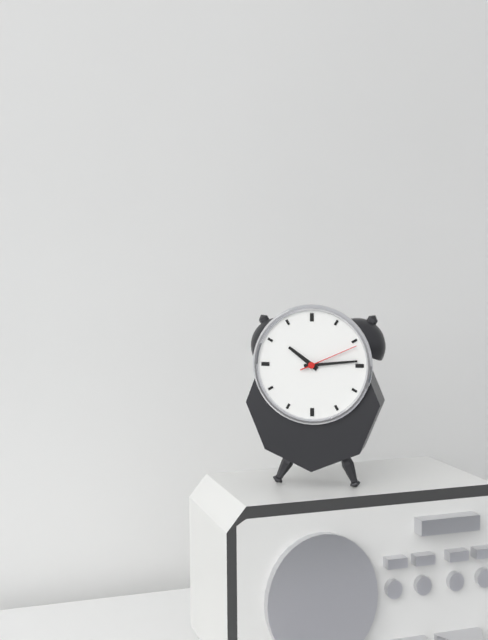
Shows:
10:14:11
